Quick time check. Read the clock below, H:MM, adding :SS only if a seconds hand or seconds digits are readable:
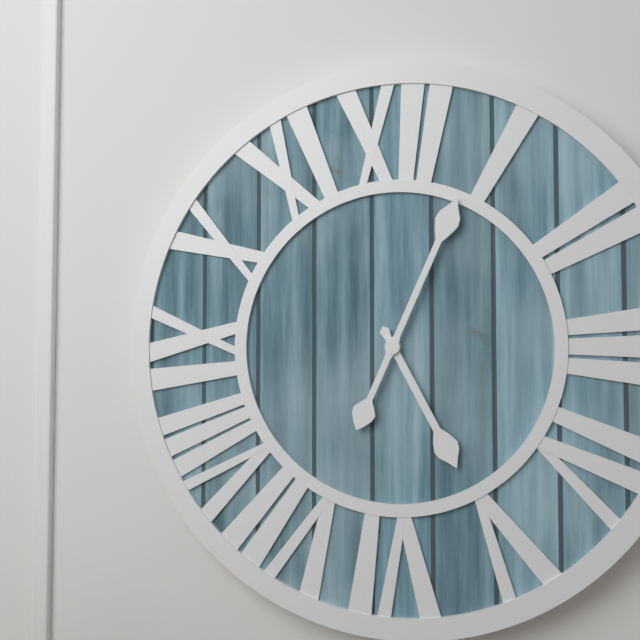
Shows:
5:04
